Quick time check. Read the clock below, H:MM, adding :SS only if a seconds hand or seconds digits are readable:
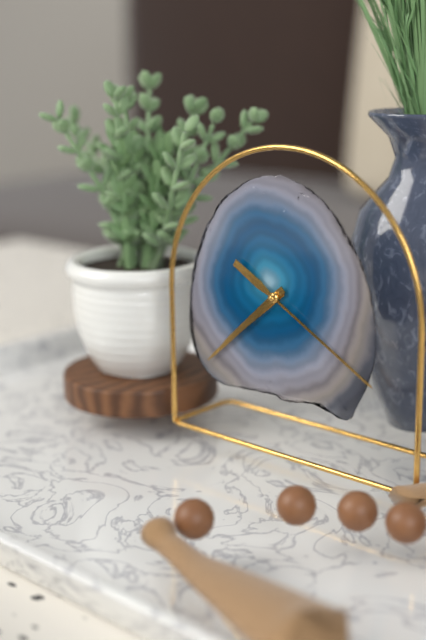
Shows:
7:38:20
